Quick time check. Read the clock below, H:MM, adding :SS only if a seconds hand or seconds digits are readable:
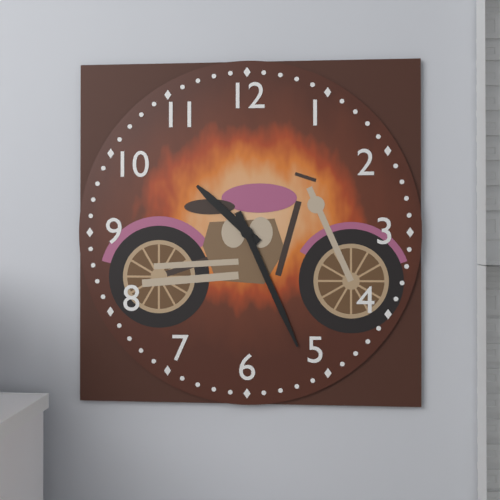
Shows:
10:26
